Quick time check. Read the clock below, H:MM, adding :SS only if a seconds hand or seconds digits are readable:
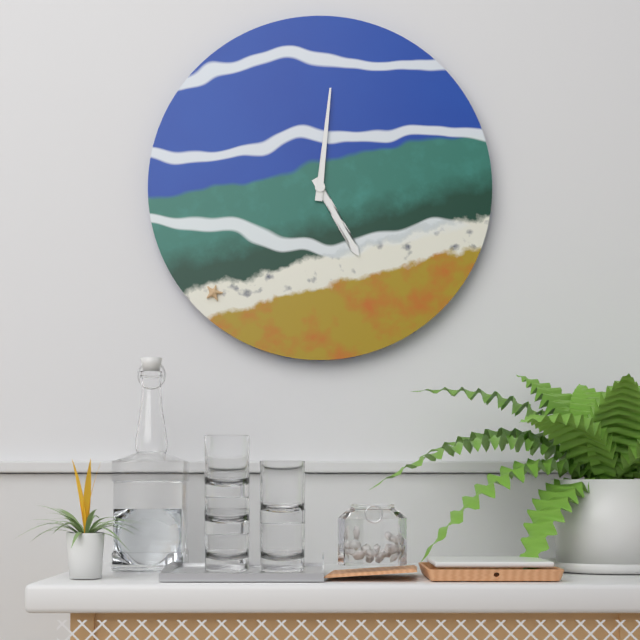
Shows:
5:01
